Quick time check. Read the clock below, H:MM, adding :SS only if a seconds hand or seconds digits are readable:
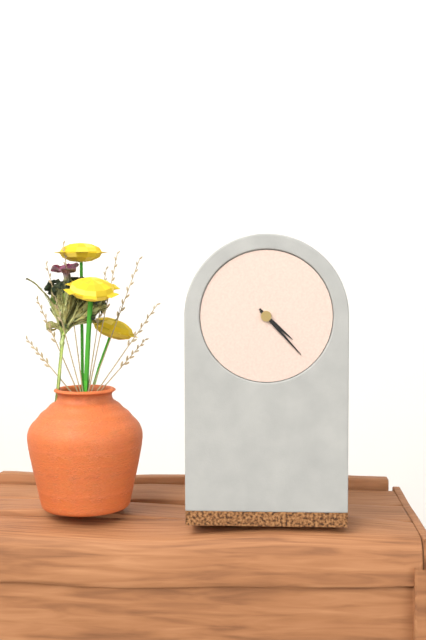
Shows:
4:23
